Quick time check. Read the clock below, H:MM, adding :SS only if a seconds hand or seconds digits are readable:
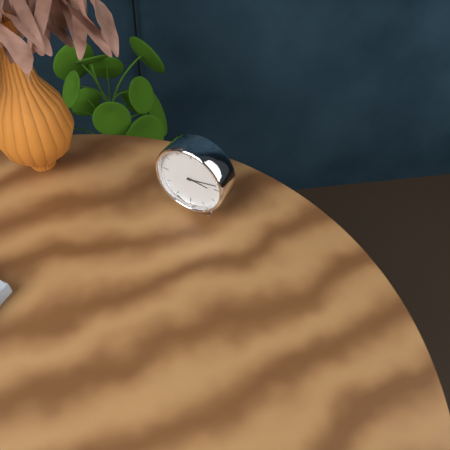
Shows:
3:13
